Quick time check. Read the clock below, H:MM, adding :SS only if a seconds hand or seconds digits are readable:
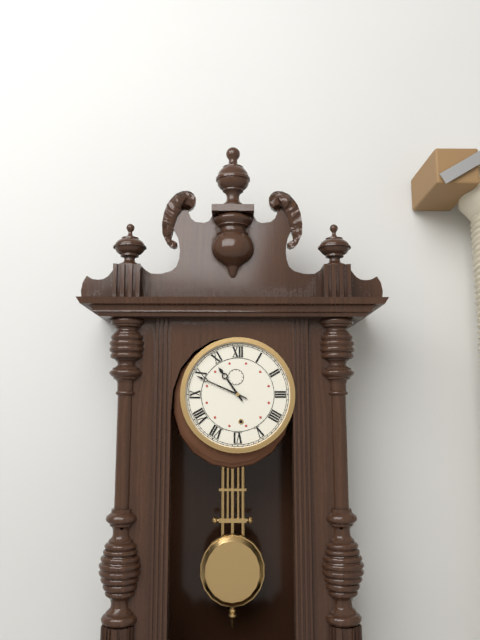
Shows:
10:49
